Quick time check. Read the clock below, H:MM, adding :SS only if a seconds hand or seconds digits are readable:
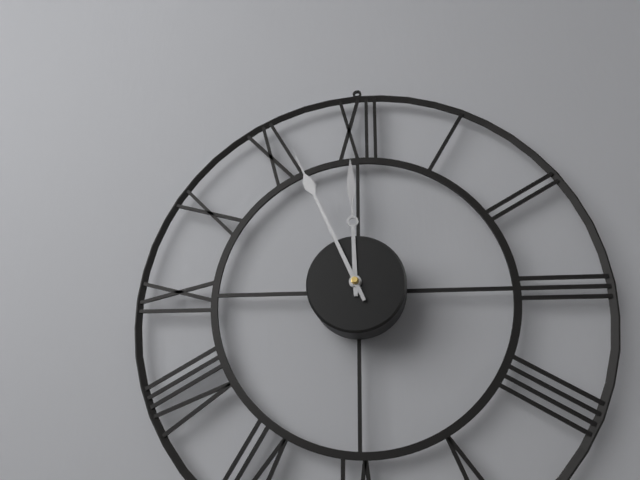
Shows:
11:56
